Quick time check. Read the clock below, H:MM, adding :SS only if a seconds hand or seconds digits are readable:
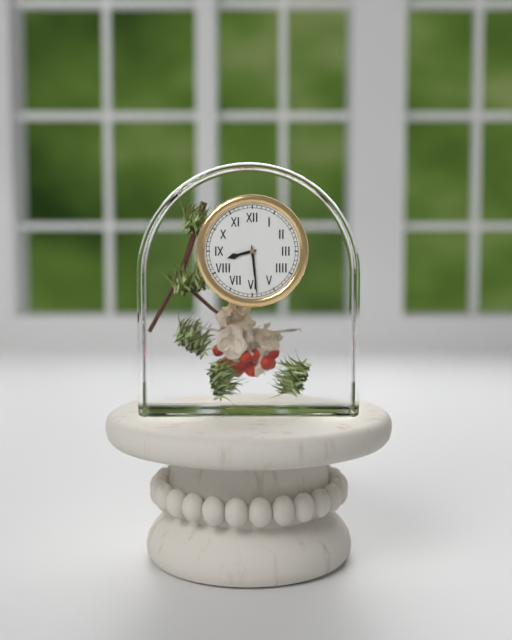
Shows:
8:29
